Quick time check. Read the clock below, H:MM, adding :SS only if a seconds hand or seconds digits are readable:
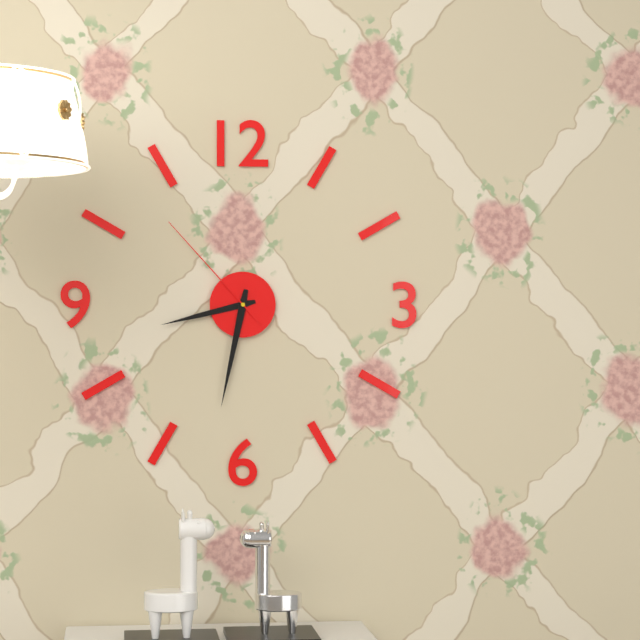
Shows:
8:32:53
